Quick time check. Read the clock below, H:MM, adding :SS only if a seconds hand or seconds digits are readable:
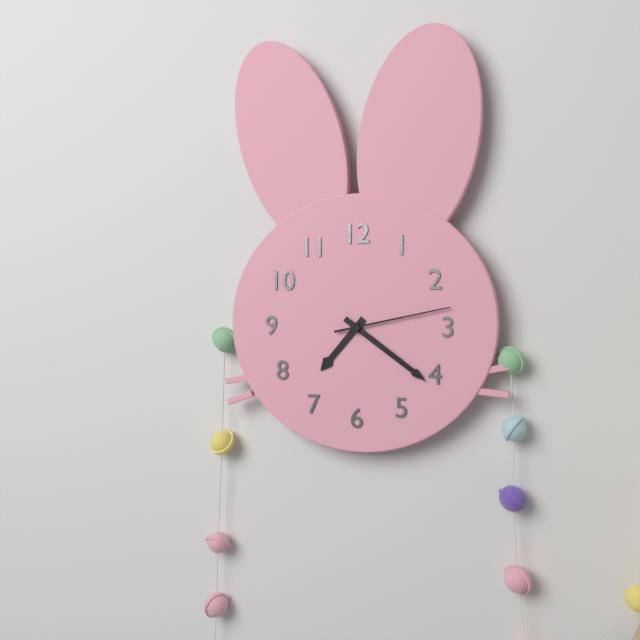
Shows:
7:21:13
